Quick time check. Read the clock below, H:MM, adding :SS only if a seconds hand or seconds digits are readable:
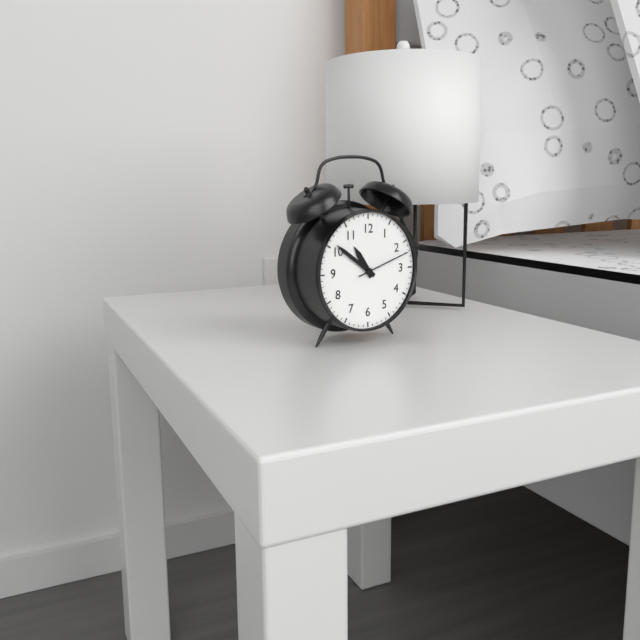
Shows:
10:51:12
